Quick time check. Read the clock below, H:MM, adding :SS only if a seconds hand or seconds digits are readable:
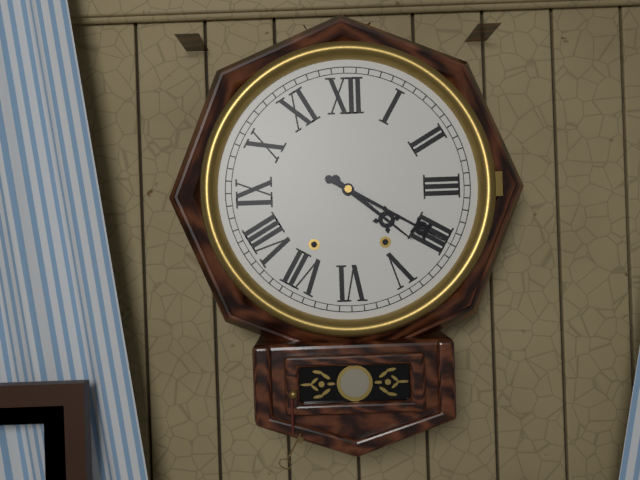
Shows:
4:20
